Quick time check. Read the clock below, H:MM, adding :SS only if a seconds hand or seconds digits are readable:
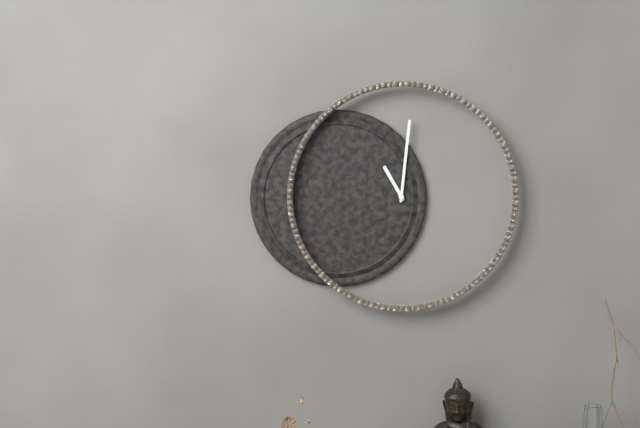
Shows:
11:01
